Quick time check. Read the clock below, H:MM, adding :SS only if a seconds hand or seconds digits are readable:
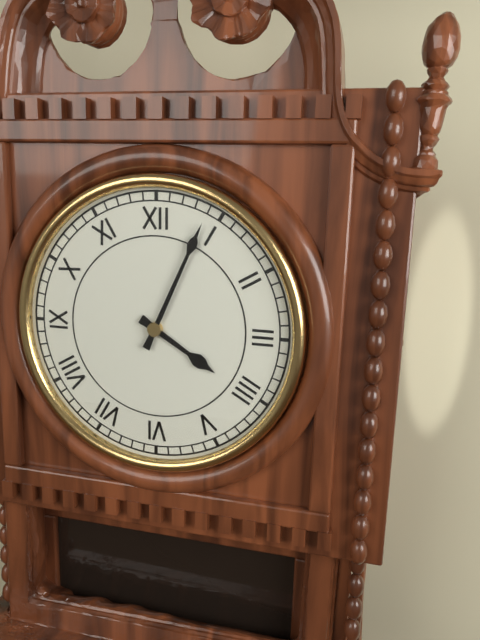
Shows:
4:04
